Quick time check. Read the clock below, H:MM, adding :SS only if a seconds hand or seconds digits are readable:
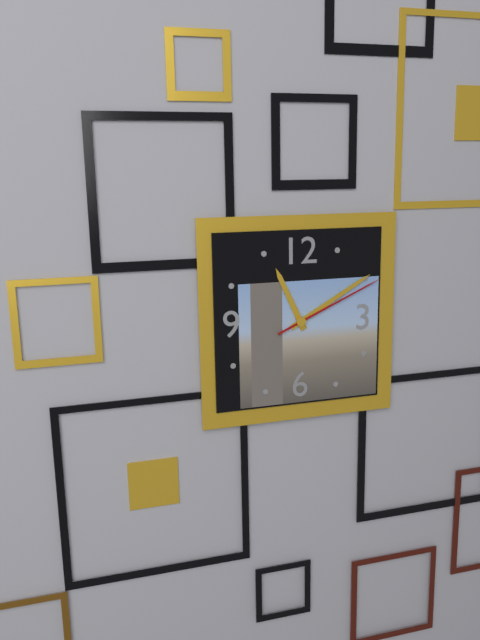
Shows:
11:10:11
